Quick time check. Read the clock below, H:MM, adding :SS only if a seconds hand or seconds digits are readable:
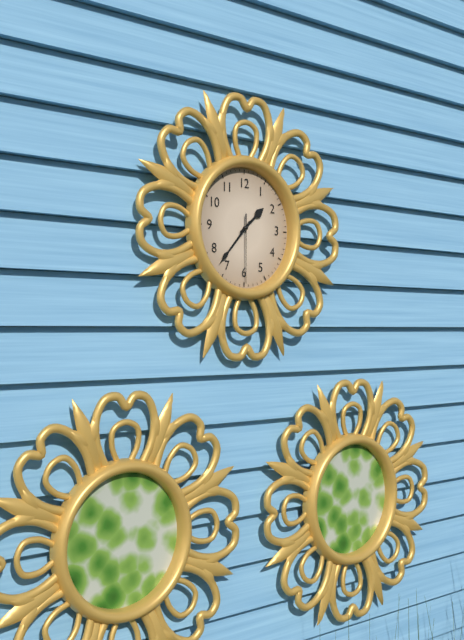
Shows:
1:37:30
